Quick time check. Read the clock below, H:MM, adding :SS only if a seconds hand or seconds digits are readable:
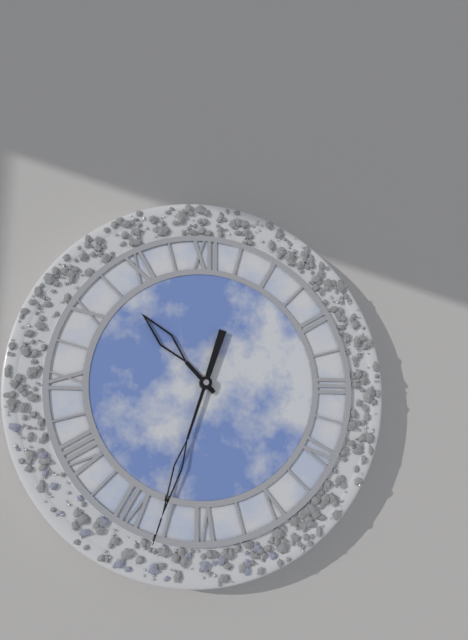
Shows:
10:33
